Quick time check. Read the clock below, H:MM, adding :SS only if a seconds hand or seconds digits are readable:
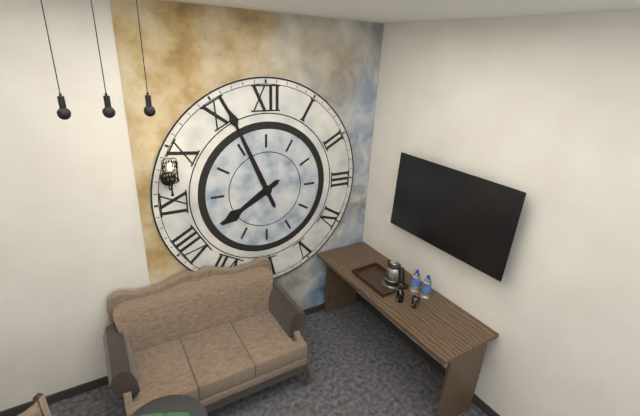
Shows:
7:56
